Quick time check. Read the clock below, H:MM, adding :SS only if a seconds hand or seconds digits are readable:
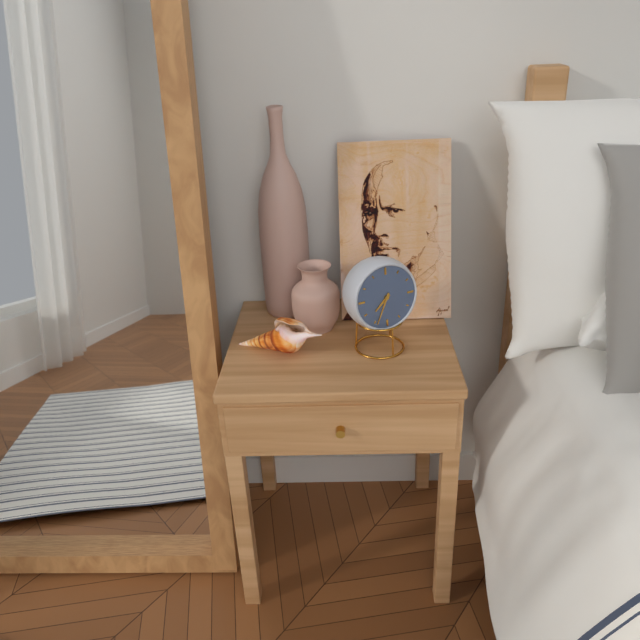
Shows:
7:34
